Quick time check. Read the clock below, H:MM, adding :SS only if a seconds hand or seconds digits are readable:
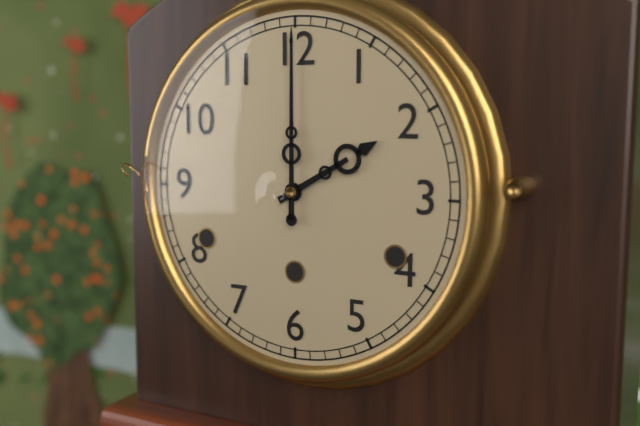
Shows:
2:00
